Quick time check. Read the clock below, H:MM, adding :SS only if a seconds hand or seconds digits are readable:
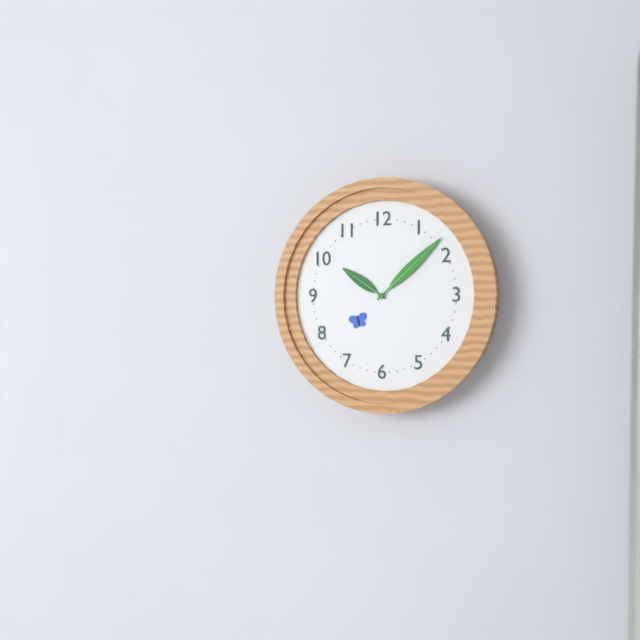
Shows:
10:08
